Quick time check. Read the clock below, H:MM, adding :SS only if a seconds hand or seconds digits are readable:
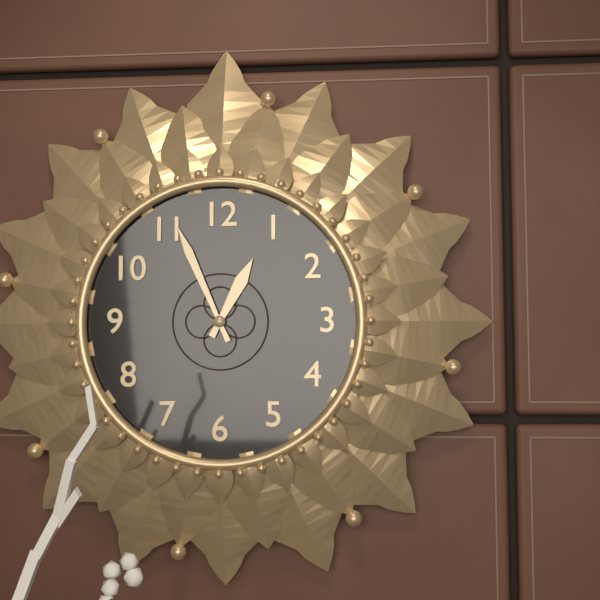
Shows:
12:56
